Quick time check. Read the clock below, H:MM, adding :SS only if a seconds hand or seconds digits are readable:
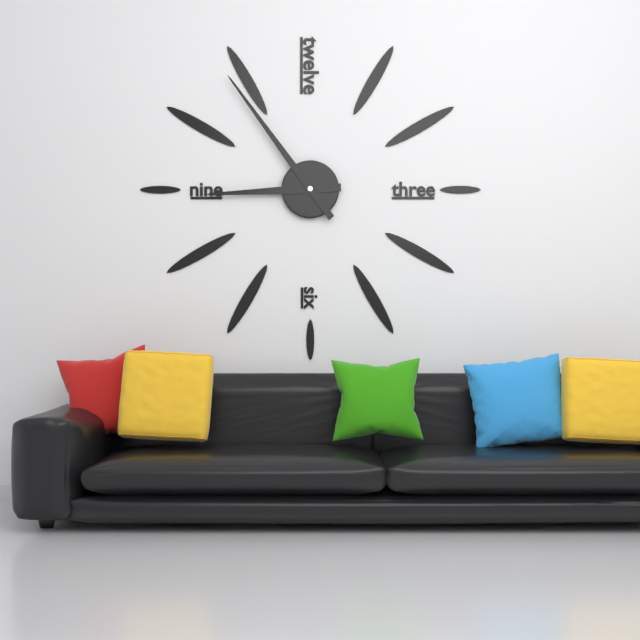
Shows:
8:54
